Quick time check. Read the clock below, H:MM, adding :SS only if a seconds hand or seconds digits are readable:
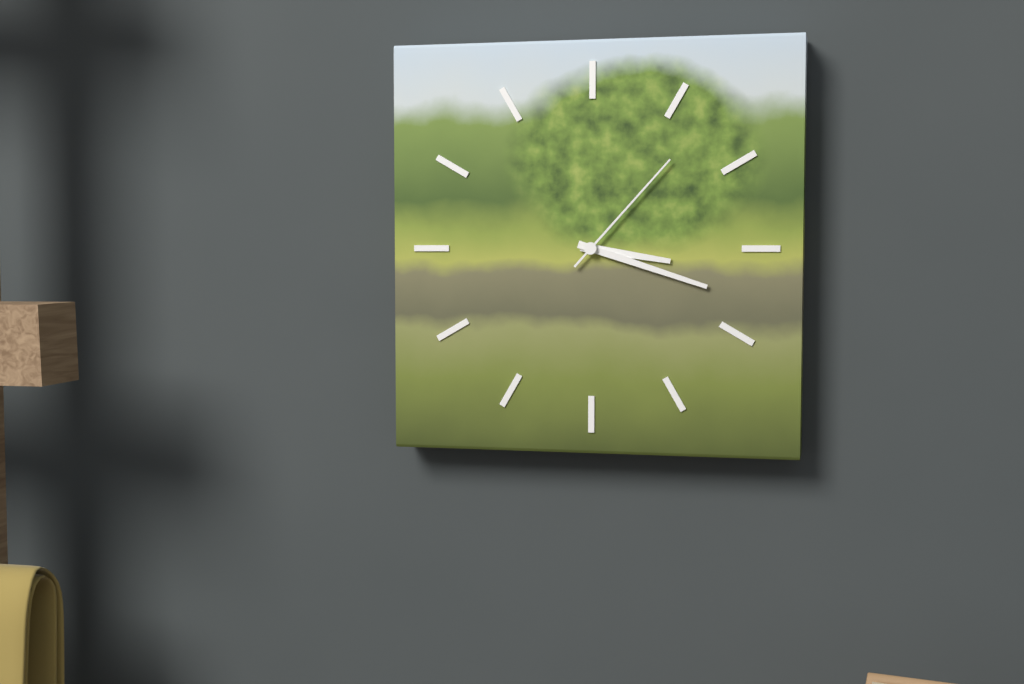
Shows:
3:18:07
